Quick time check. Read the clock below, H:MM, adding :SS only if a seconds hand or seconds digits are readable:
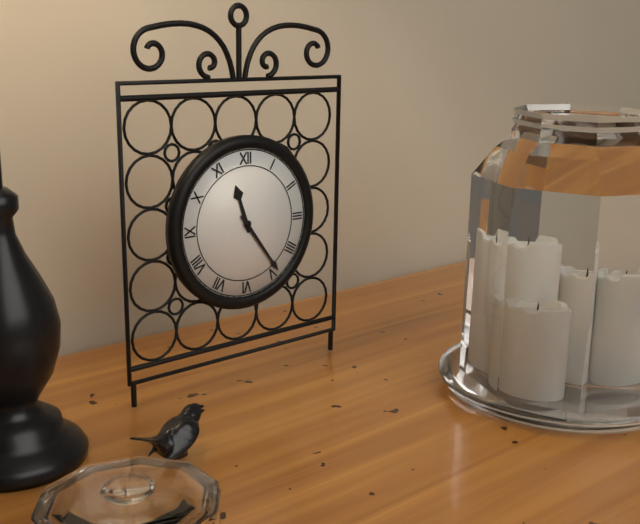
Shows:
11:24
